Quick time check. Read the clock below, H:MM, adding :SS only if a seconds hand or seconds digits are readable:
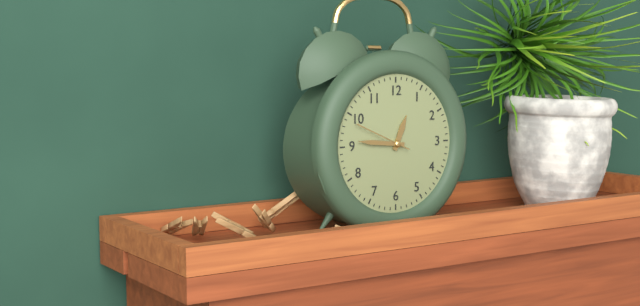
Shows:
12:46:49
